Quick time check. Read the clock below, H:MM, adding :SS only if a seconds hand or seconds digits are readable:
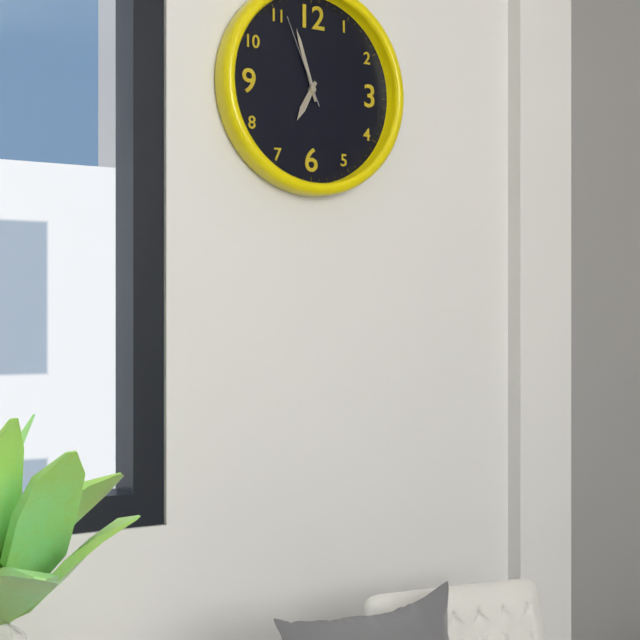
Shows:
6:57:56
